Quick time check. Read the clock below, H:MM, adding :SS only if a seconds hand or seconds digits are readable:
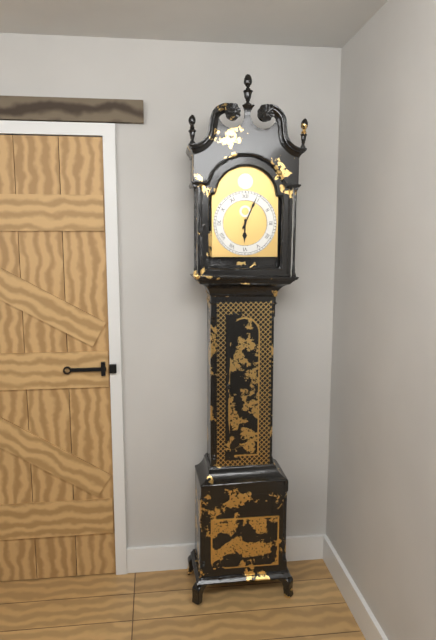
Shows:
6:04
